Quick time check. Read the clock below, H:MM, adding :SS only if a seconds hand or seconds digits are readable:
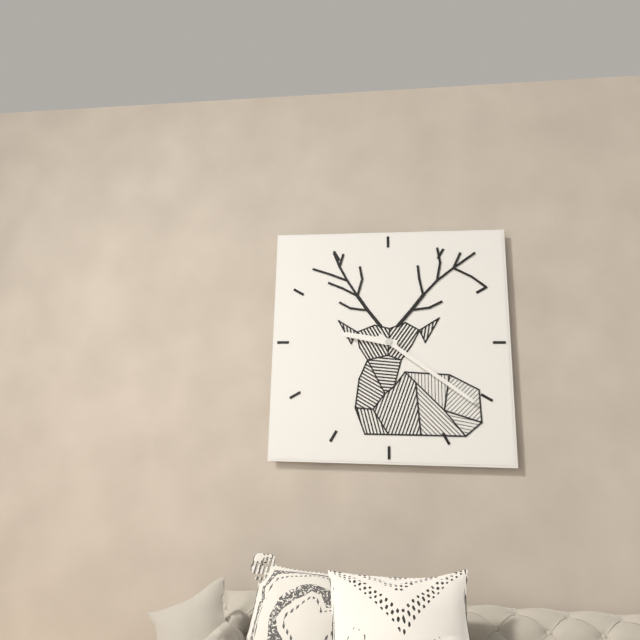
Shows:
9:21
